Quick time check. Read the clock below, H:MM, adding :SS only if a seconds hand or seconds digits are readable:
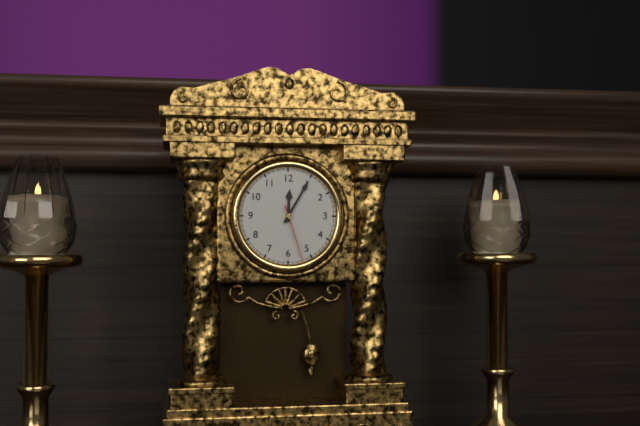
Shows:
12:05:27
